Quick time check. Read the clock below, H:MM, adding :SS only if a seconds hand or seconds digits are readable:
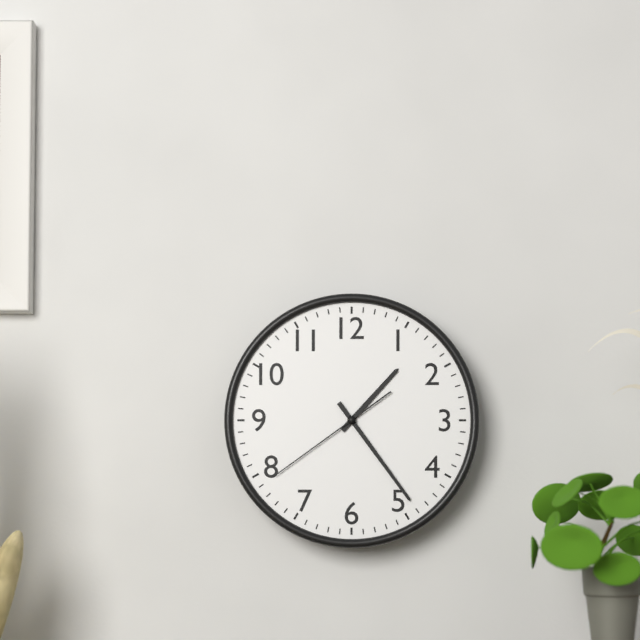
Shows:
1:24:39
